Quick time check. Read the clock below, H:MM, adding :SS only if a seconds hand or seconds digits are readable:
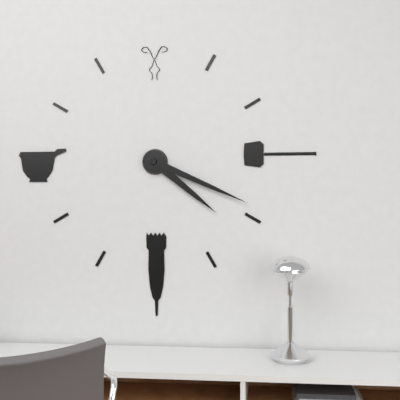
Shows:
4:19
